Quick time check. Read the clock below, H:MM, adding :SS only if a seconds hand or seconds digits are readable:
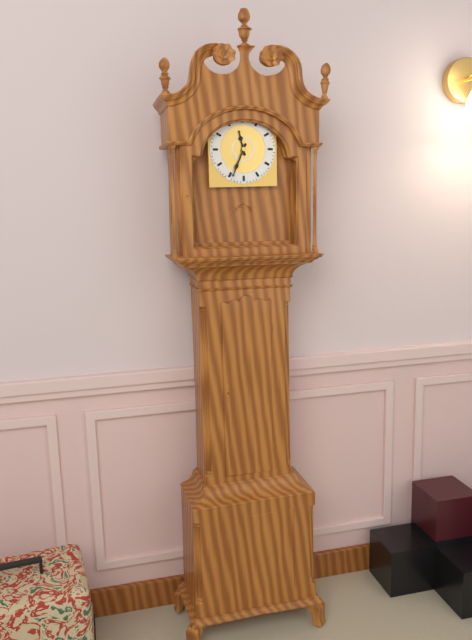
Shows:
11:34
